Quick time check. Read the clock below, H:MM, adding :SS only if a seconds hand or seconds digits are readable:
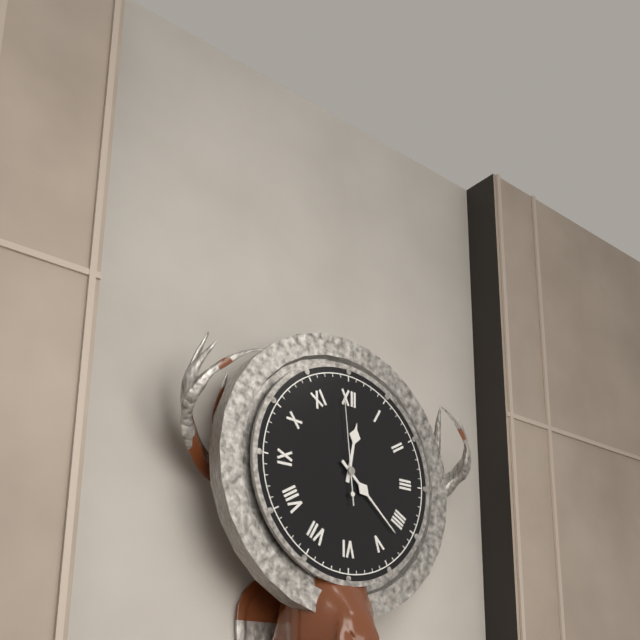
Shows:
12:22:59
